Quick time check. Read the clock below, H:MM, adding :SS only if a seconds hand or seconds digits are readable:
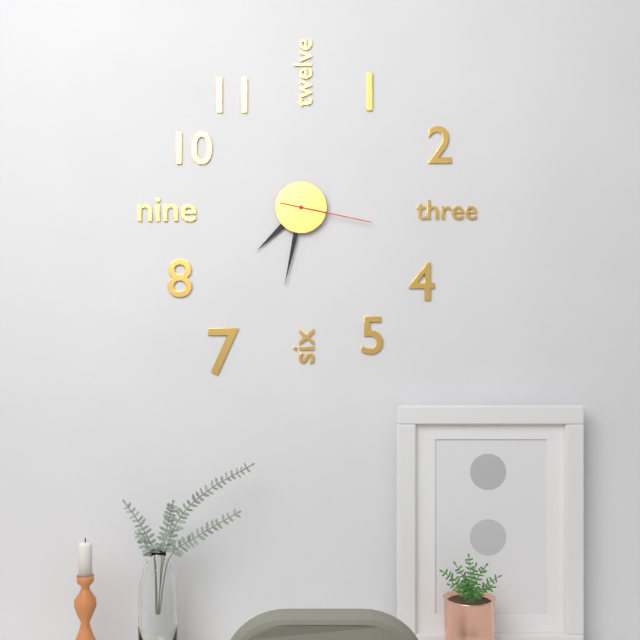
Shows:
7:32:17
